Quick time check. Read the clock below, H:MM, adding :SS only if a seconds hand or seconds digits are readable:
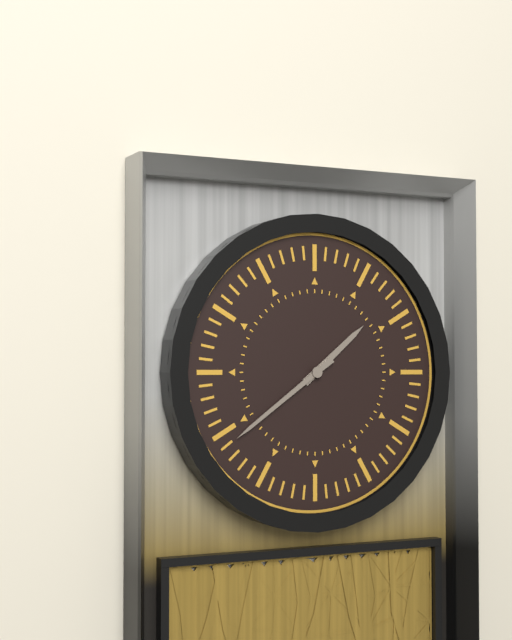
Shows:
1:39
